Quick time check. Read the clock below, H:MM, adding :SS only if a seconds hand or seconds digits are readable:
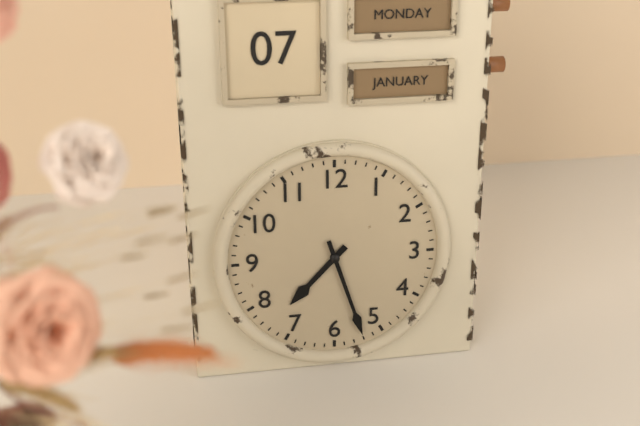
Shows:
7:27
